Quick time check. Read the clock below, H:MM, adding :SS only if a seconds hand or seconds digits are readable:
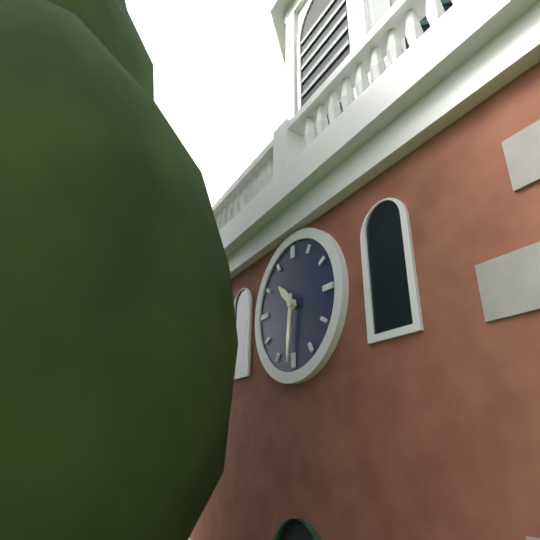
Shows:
10:31
